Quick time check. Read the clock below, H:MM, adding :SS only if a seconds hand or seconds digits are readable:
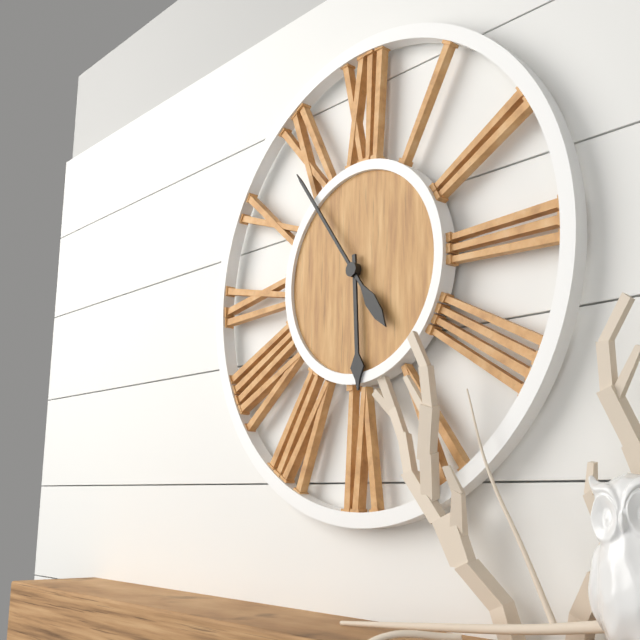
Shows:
5:54
